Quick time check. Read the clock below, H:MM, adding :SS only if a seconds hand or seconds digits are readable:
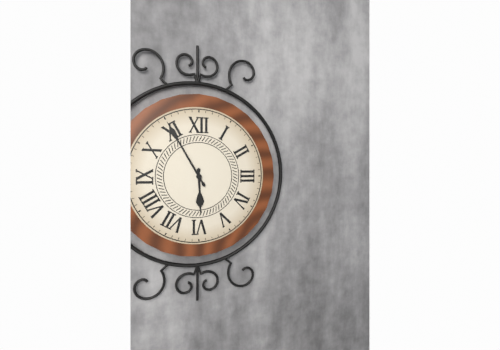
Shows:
5:55
